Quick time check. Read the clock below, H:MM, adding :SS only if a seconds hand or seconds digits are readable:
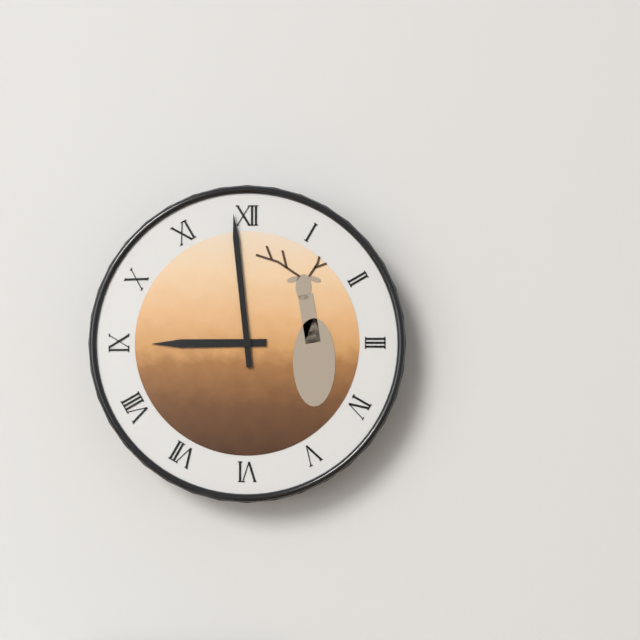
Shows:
8:59
